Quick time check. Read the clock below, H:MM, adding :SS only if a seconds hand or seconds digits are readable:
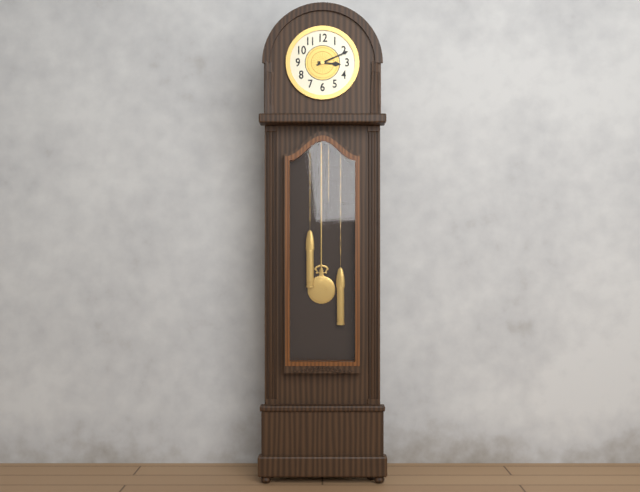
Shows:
3:11
